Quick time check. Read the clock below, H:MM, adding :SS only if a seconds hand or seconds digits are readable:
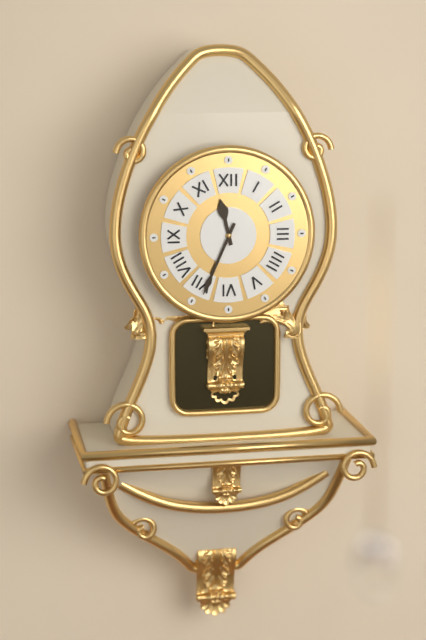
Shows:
11:34
